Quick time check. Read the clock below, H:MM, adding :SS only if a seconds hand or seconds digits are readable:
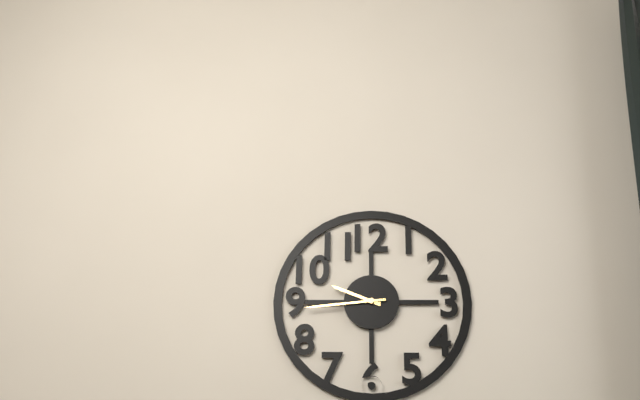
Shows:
9:44
